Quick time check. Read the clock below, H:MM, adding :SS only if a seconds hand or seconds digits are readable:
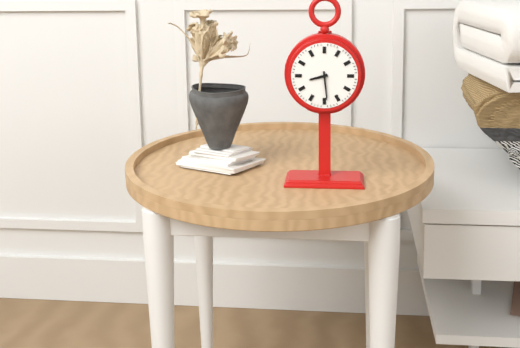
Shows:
8:29
